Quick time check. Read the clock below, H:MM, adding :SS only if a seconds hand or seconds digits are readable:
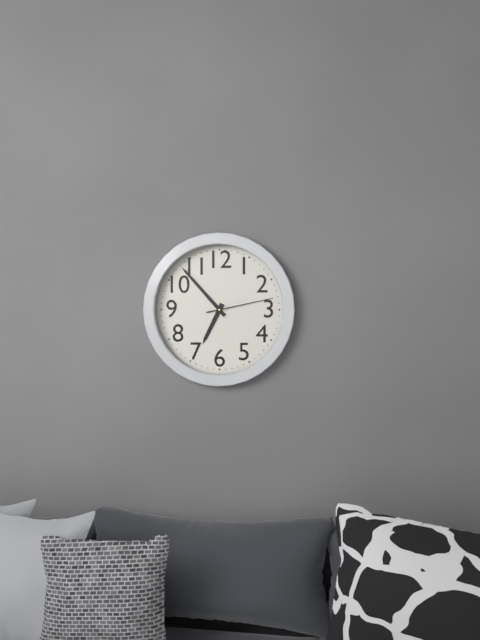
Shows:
6:53:13
